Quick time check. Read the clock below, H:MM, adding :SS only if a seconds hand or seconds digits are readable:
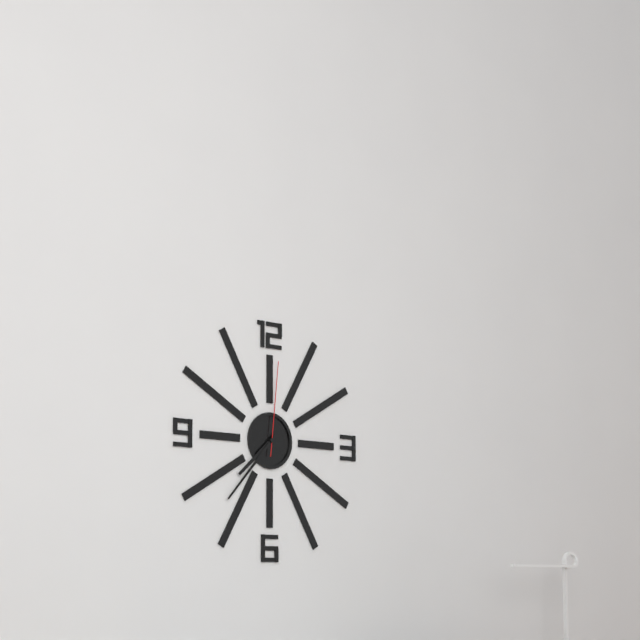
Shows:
7:37:01
